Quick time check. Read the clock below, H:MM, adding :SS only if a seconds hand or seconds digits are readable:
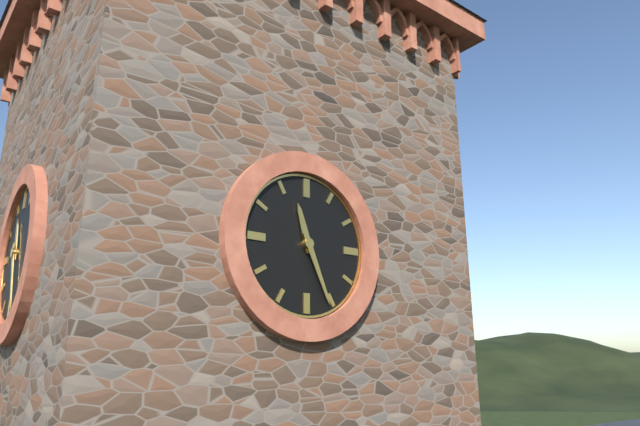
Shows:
11:26
